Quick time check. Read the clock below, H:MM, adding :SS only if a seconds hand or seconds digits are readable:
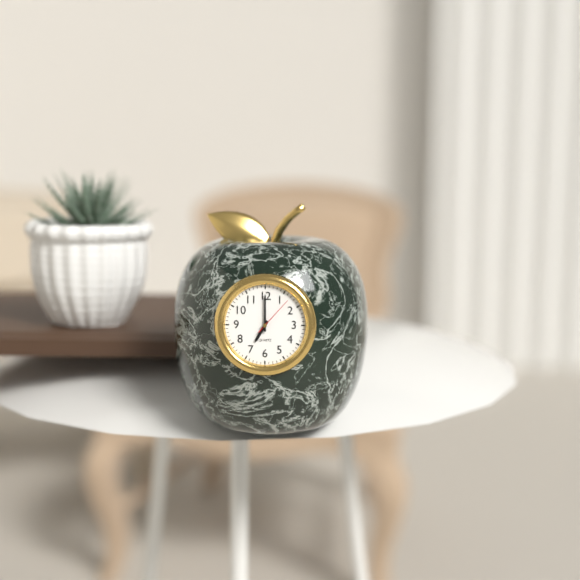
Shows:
7:00
